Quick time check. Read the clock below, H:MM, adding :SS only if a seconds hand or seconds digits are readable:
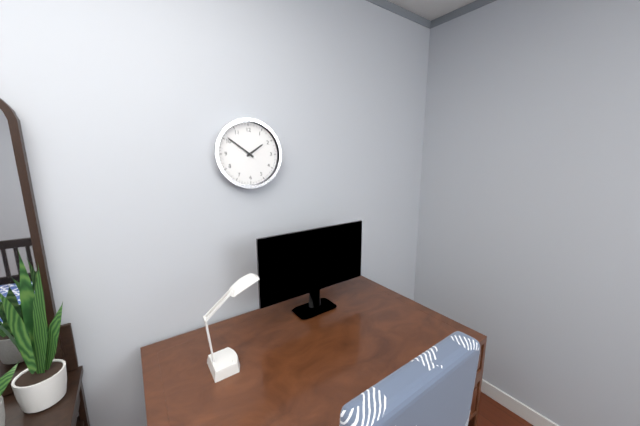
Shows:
1:51
